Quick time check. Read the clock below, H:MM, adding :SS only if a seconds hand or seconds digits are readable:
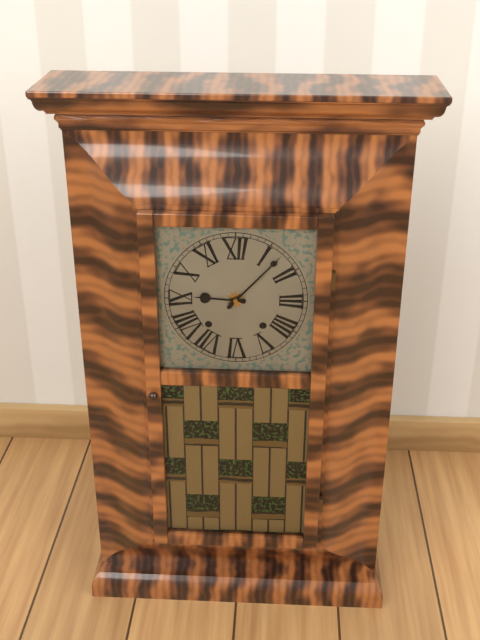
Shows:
9:07
